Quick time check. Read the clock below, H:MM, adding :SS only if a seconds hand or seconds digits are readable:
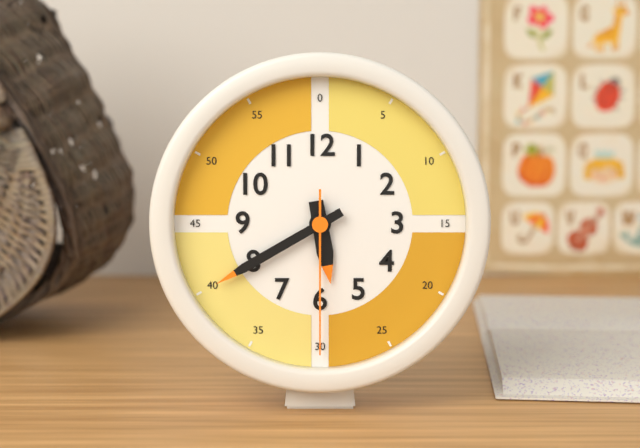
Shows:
5:40:30
